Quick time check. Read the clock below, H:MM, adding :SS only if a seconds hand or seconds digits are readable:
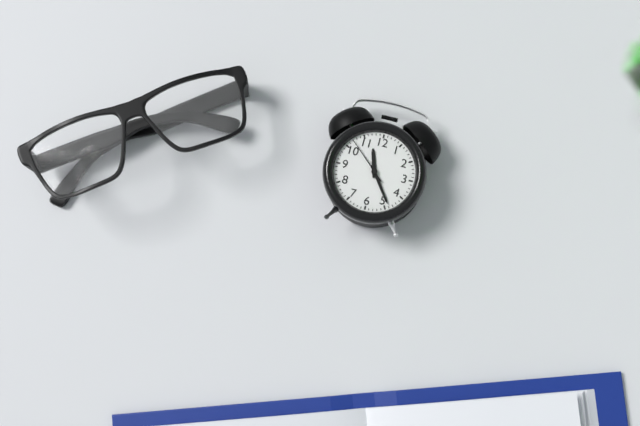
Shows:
11:24
